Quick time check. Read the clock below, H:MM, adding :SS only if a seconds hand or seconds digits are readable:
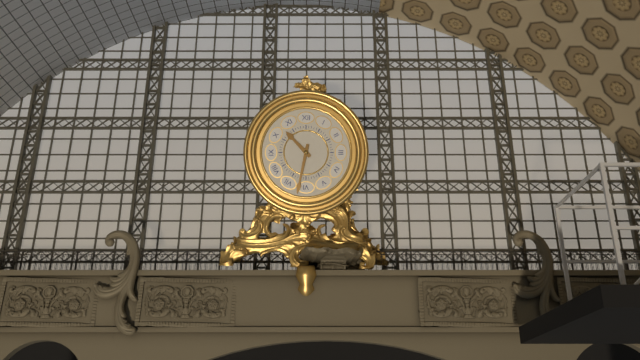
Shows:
10:32
